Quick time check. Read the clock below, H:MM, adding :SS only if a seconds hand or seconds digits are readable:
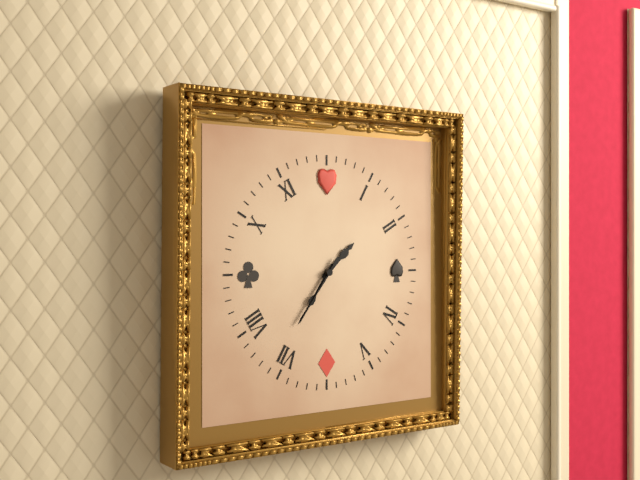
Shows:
1:36:36
